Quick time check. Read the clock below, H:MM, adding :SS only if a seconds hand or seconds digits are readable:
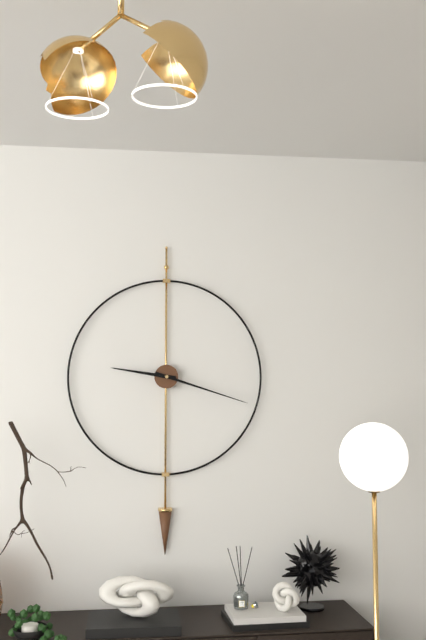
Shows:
9:18
